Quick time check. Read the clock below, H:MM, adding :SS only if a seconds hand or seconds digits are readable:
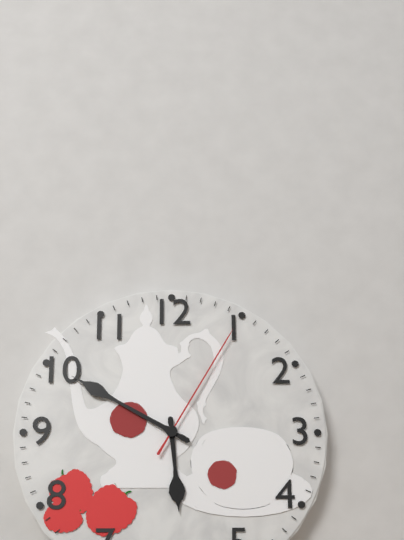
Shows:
5:50:05
